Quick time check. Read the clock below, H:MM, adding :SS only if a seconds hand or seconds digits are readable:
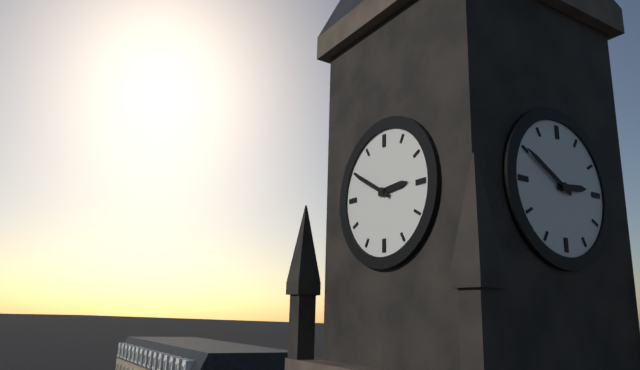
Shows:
2:50
